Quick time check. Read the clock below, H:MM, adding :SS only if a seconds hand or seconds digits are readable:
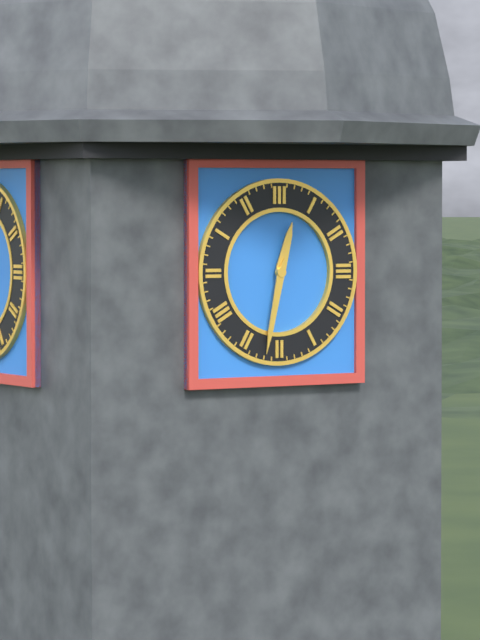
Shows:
12:32
